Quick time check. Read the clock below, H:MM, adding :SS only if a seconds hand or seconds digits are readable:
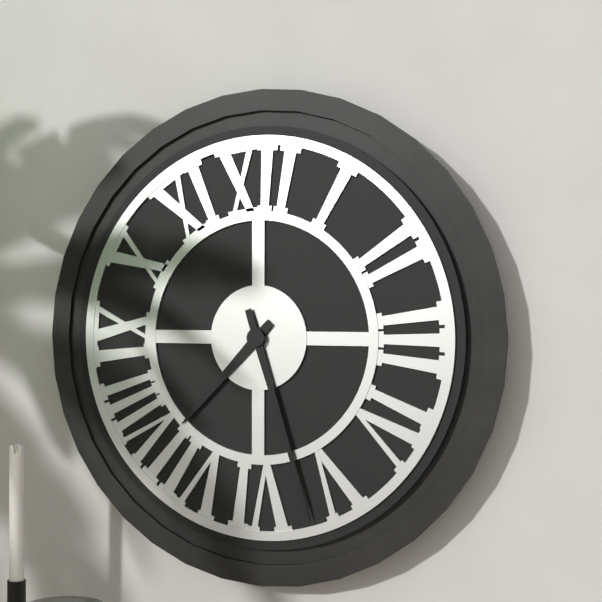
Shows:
7:27
